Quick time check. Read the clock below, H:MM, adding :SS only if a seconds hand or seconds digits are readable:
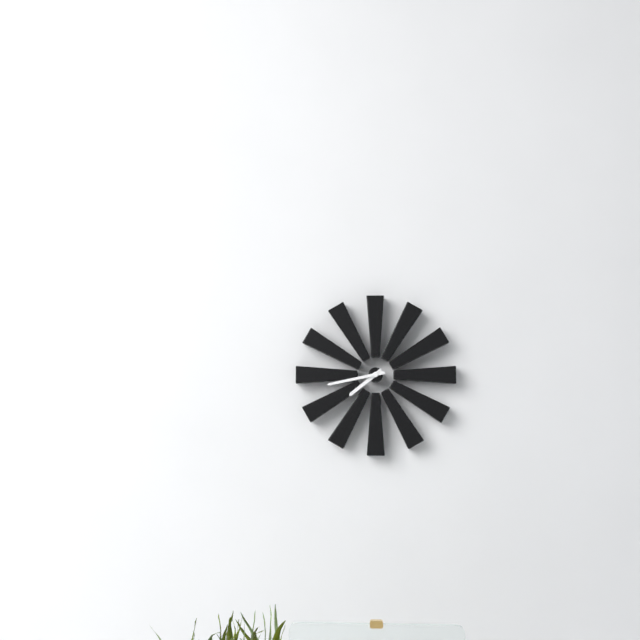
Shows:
7:43
